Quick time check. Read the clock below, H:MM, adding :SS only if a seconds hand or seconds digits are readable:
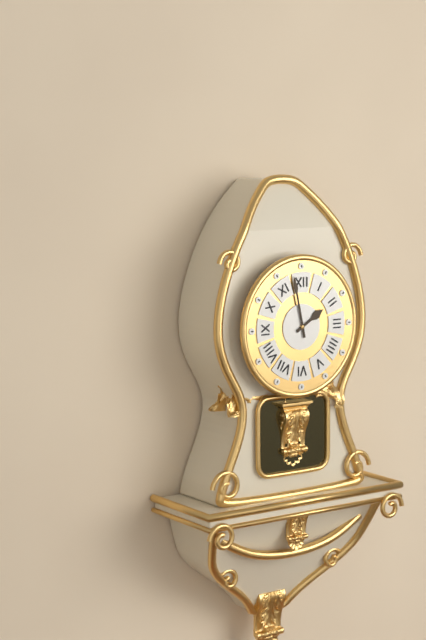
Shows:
1:58
